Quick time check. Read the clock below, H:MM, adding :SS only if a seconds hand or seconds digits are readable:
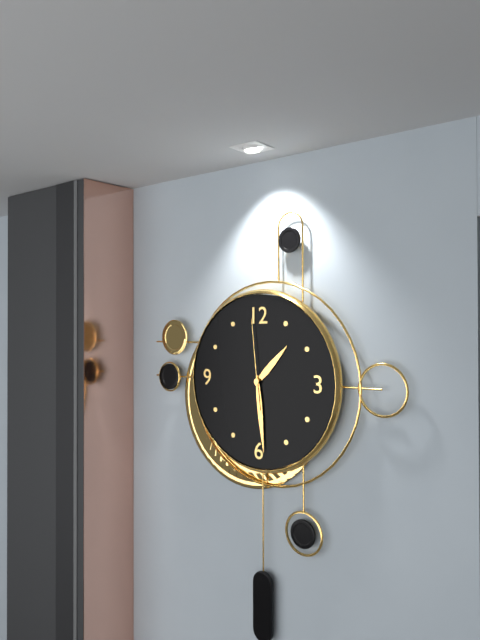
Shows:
1:29:59
